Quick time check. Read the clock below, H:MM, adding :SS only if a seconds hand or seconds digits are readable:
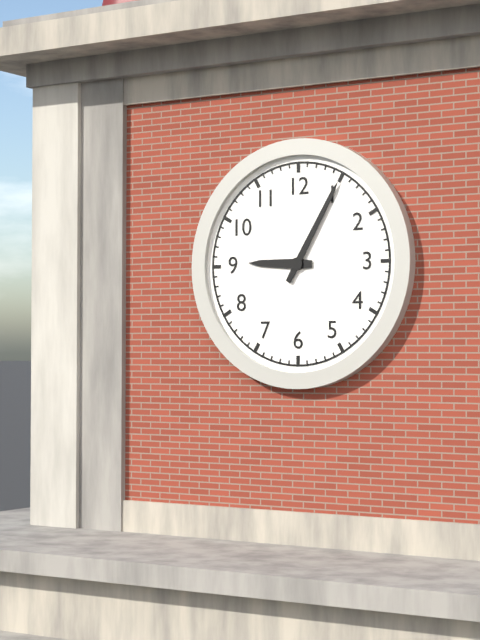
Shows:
9:05
